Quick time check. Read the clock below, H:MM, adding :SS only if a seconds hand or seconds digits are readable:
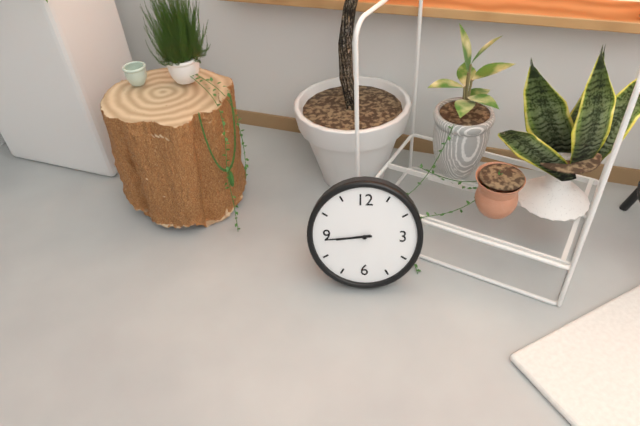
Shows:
8:44
